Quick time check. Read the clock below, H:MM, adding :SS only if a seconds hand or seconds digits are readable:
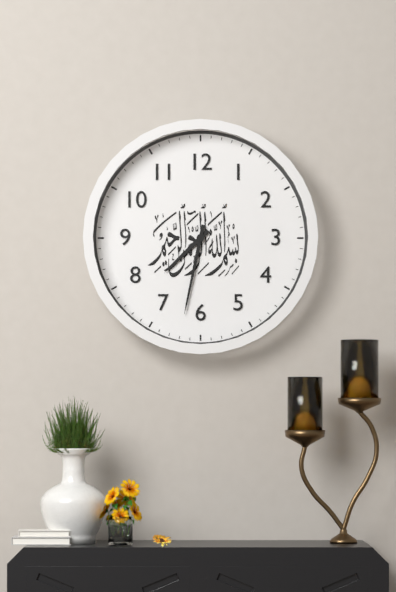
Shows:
7:32
